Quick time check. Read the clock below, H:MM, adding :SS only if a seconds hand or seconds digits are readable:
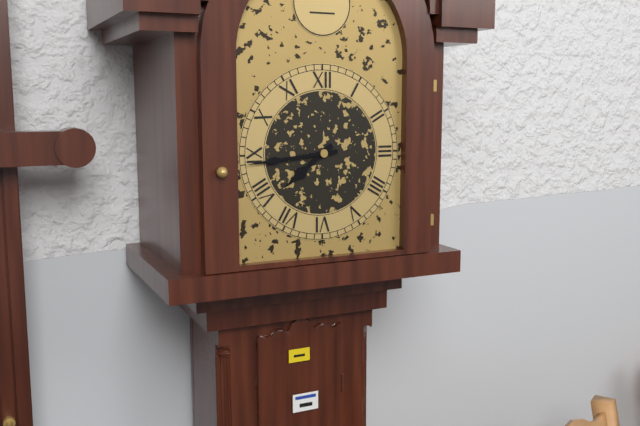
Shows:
7:44
